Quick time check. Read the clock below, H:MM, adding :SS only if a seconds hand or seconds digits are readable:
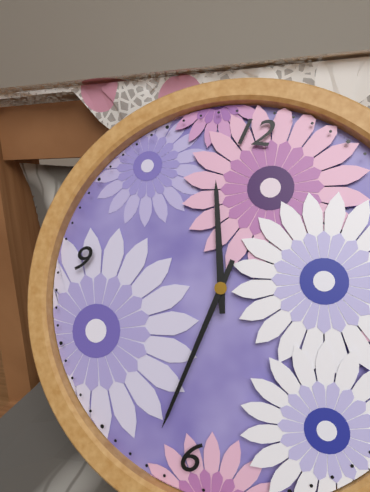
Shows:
11:32
